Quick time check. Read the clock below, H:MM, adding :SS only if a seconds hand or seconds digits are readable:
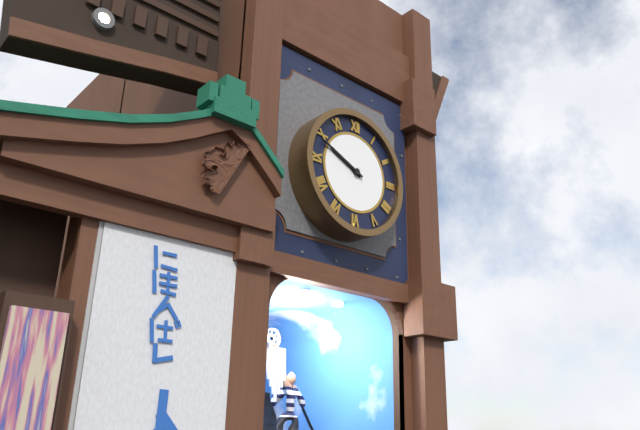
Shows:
9:49
